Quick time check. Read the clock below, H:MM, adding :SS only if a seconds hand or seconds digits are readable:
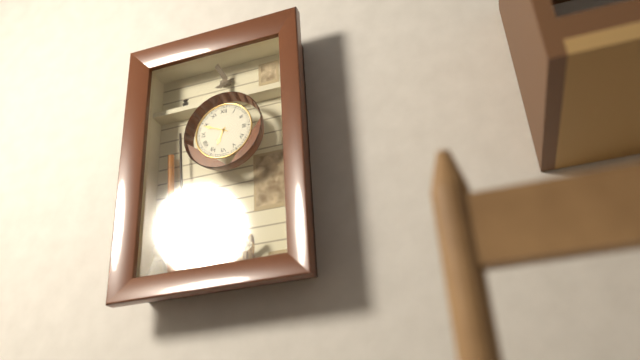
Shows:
6:49
